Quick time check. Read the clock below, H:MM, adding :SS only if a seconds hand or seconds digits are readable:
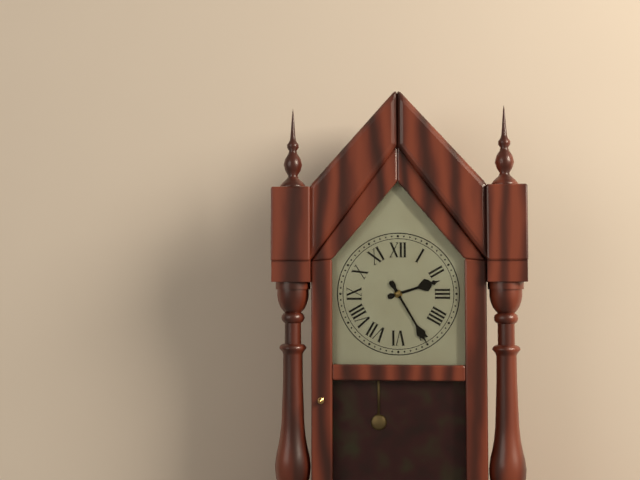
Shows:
2:25
